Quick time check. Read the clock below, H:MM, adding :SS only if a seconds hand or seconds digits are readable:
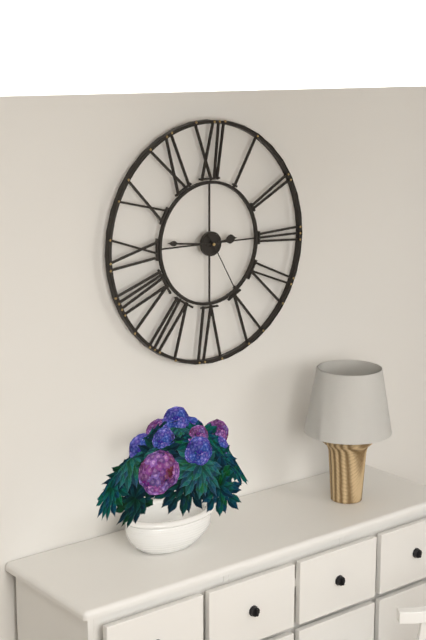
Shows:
2:46:25
